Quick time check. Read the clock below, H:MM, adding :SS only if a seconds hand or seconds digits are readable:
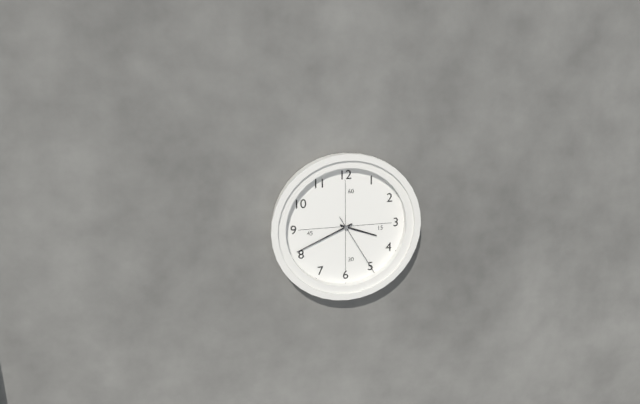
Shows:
3:41:25
